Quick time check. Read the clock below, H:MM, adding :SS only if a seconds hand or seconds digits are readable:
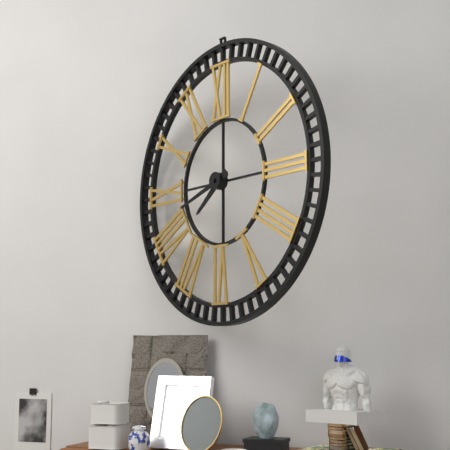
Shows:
7:42
